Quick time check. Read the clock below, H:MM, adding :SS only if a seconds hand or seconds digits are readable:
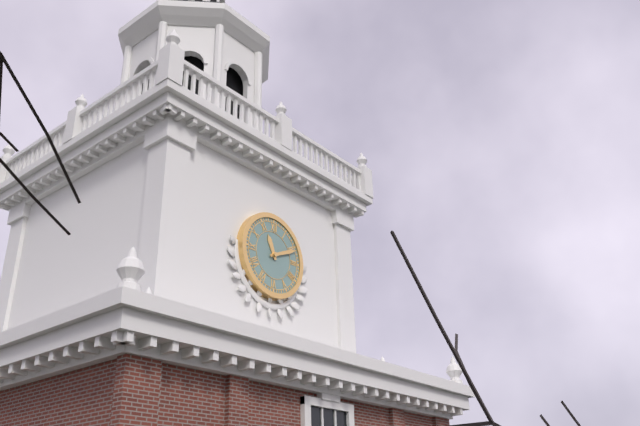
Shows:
11:11
